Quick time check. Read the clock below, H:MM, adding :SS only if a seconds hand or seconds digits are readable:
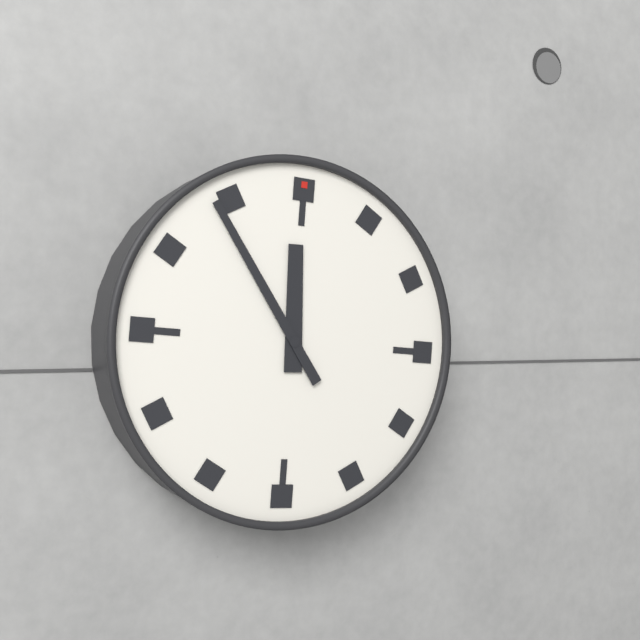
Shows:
11:54
